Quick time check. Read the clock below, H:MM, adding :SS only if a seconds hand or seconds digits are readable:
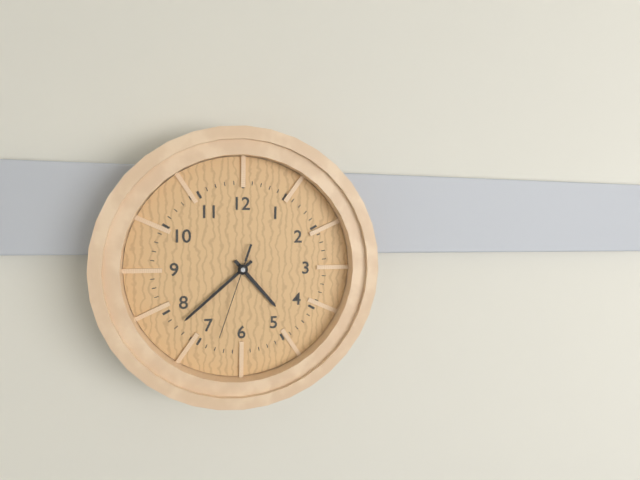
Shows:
4:38:33
